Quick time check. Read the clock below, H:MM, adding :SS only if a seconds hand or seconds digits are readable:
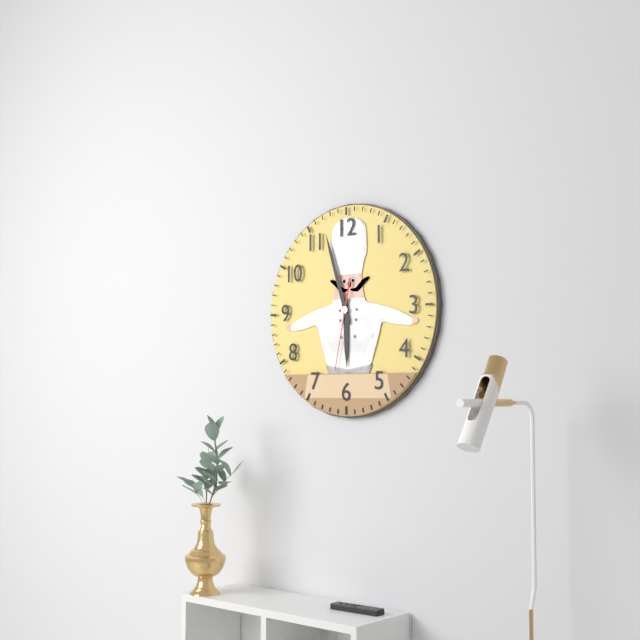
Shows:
5:57:32
